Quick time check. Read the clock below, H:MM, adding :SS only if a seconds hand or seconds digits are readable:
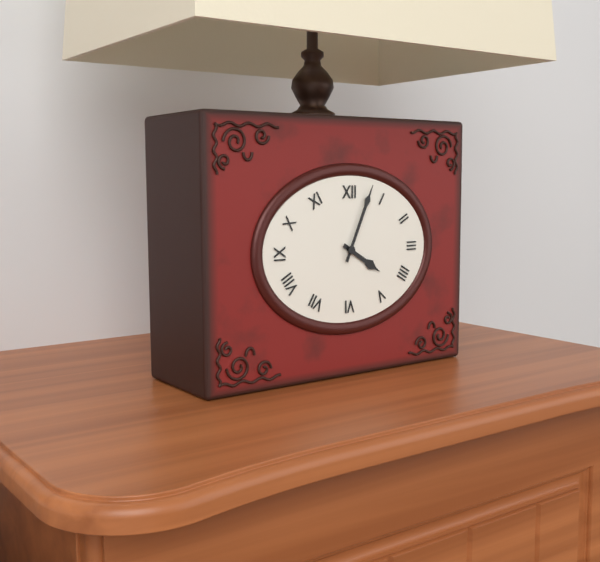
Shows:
4:04
